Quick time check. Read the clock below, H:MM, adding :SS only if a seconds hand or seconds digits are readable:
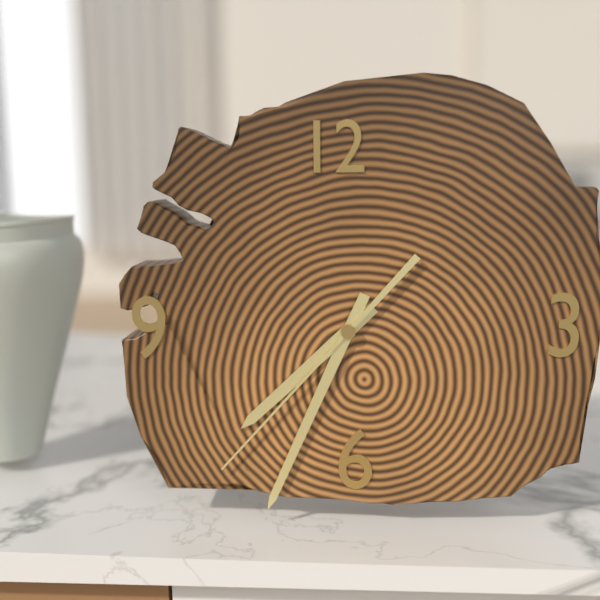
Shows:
7:34:37
